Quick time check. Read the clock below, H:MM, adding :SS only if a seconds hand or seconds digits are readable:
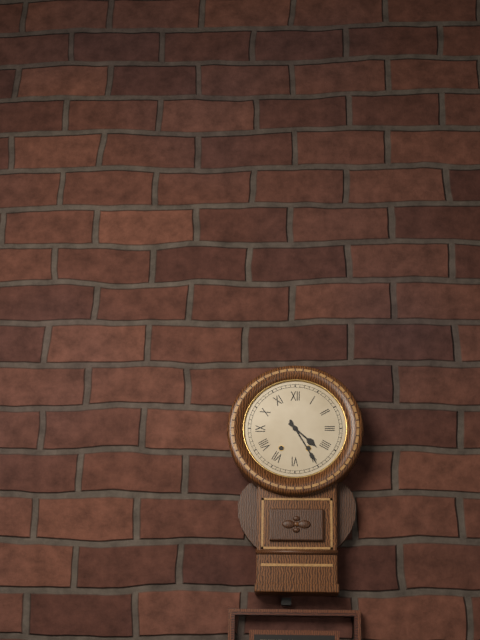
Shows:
4:25
